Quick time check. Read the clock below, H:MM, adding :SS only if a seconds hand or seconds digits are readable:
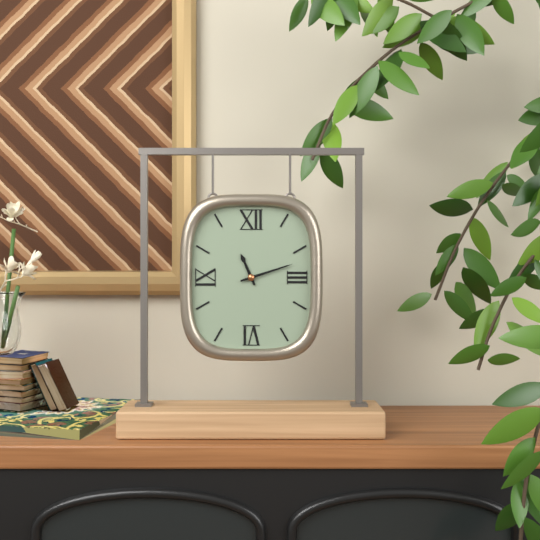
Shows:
11:12
